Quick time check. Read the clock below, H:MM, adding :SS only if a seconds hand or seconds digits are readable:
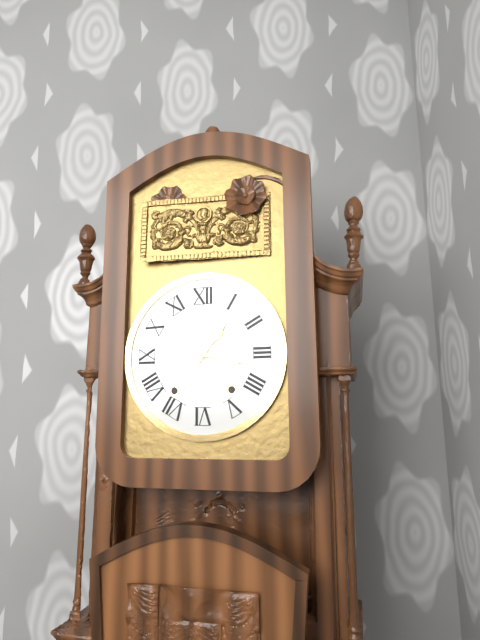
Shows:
1:17
